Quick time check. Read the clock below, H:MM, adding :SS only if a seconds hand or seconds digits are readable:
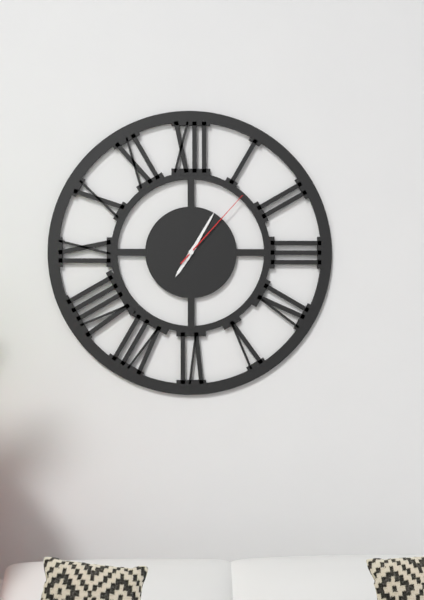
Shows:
7:05:07
